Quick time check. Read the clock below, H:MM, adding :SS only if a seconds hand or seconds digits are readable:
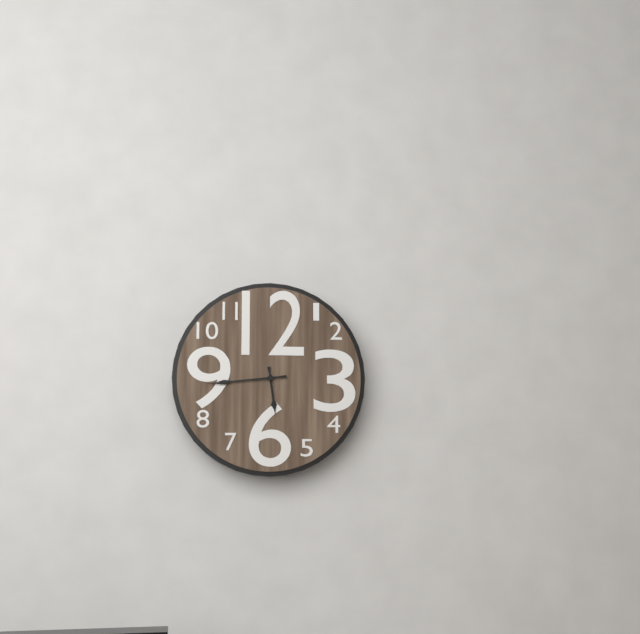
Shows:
5:44
